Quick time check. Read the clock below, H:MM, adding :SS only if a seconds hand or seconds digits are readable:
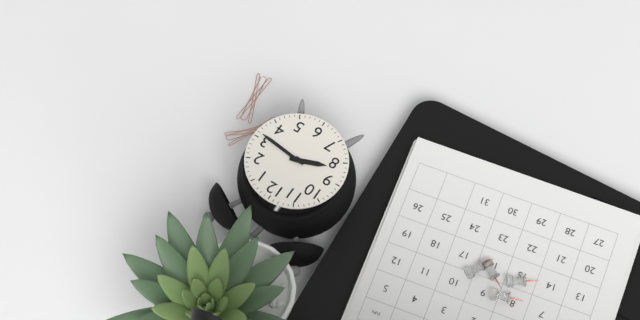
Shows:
8:16
